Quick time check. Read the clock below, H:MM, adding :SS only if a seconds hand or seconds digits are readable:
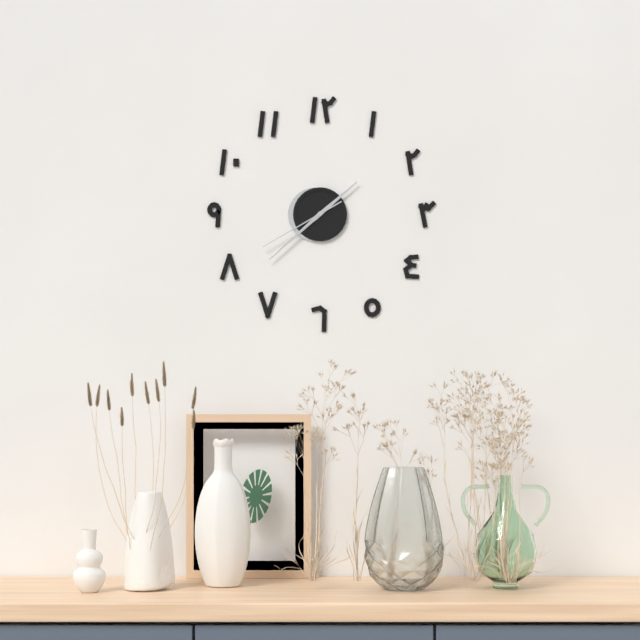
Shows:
1:38:40
